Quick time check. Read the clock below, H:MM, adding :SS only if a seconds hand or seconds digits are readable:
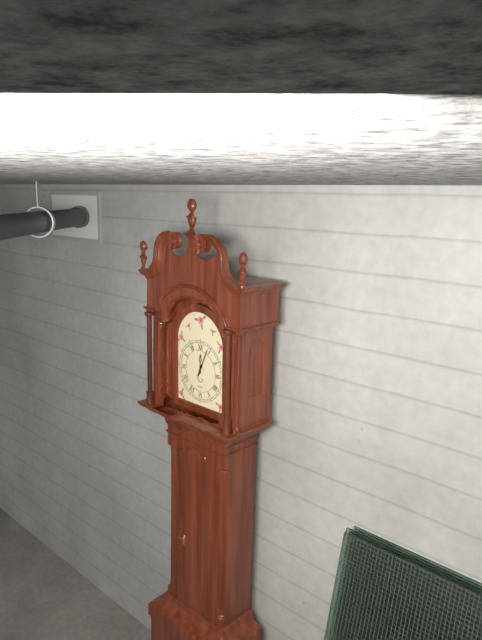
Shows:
12:04
